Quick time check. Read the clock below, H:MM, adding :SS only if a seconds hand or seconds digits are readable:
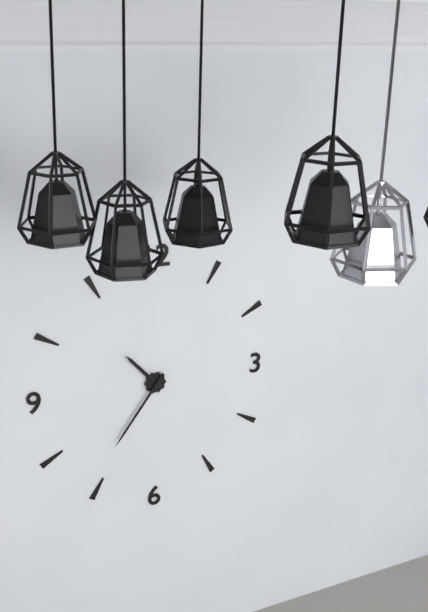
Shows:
10:36
